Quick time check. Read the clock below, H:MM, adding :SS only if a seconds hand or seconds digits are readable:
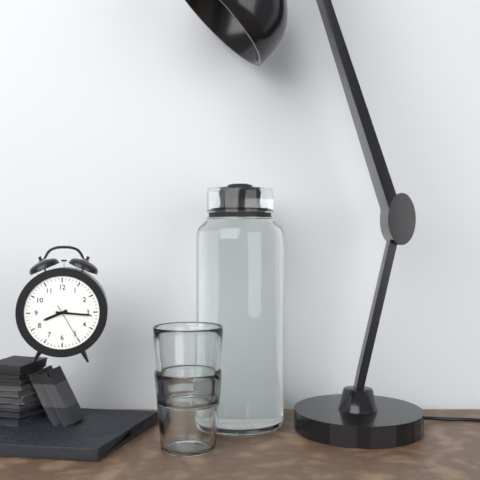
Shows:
8:16
